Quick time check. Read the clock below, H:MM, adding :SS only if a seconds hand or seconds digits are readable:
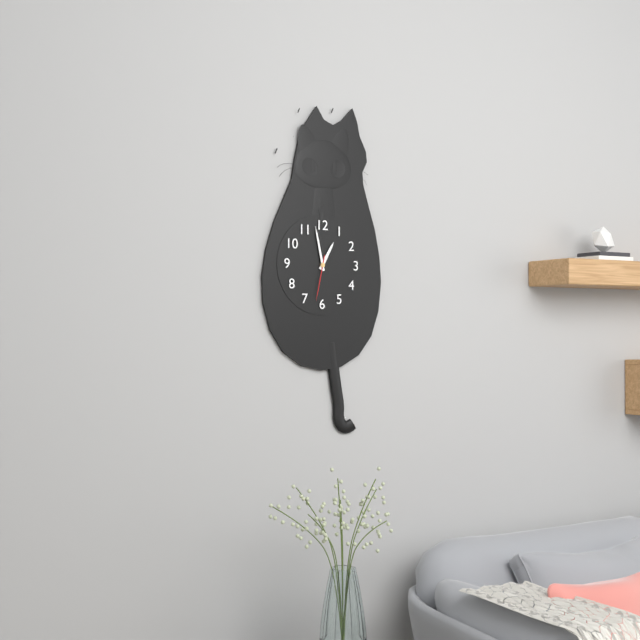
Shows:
12:58
